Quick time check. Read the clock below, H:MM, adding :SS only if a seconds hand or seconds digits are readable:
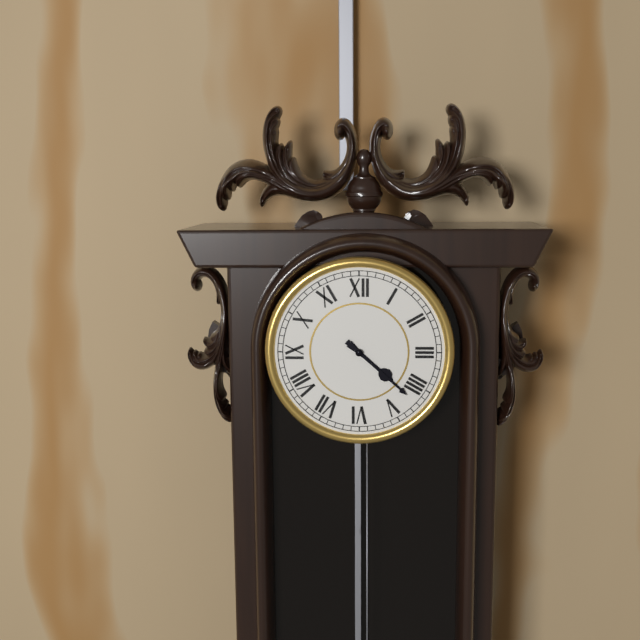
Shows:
4:22
